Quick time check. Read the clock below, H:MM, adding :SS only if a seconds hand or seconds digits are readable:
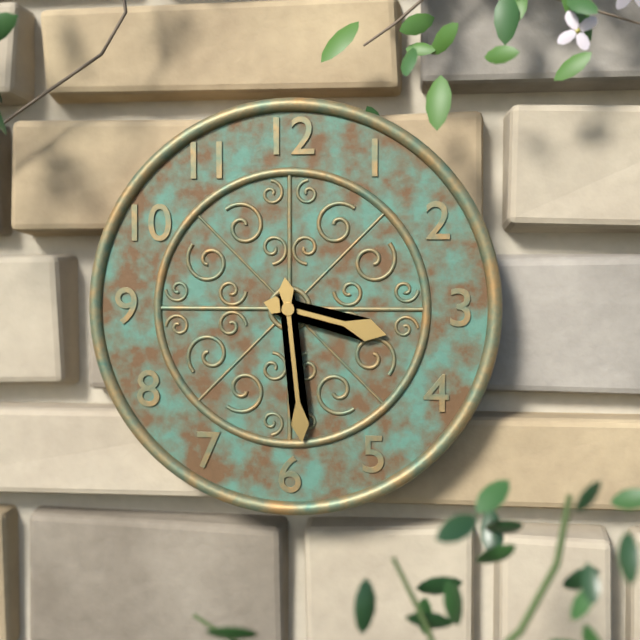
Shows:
3:29
